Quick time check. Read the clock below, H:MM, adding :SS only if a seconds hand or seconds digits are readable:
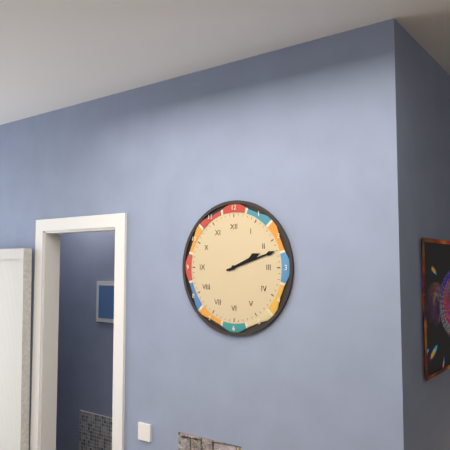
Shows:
2:12
